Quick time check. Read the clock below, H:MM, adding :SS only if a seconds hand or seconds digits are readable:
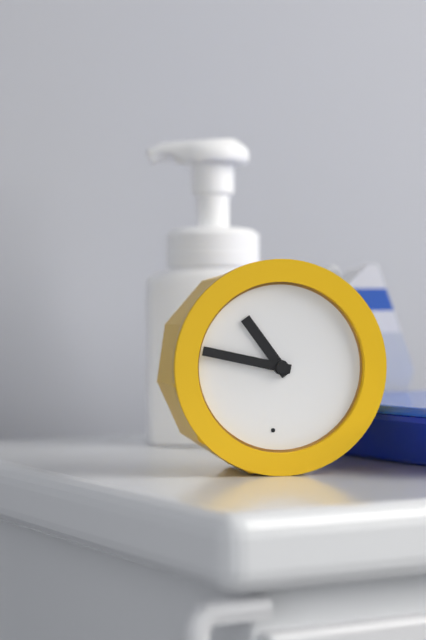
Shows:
10:47
